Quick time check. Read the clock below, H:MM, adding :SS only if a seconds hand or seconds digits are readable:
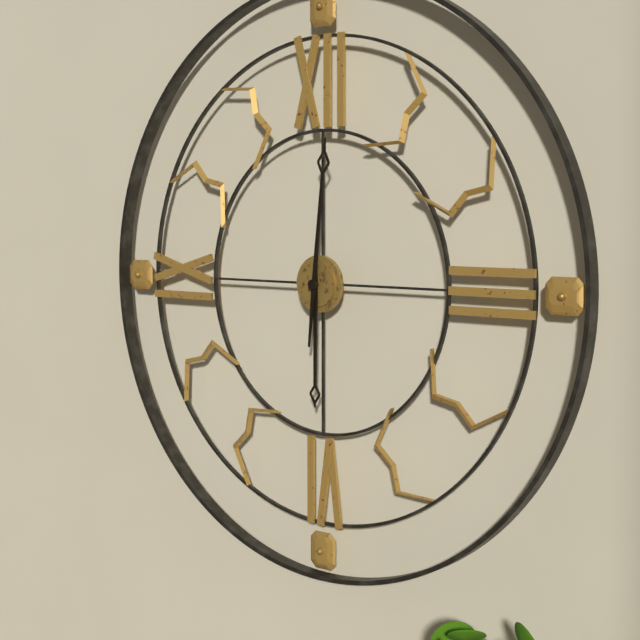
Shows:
6:01
